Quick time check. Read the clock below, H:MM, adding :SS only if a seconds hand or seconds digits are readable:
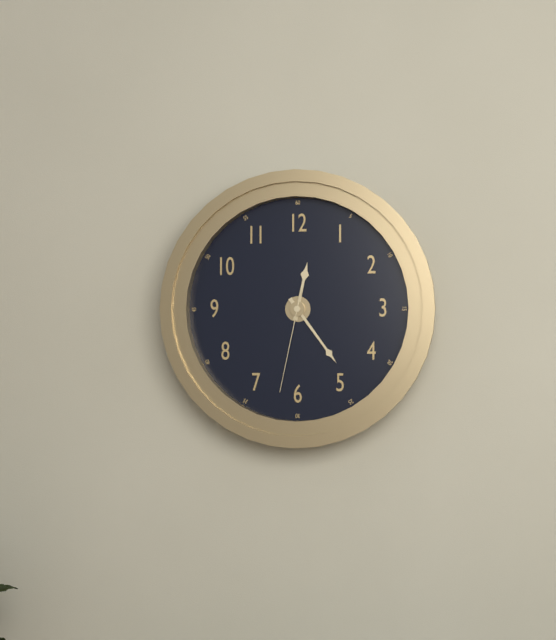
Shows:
12:24:32
